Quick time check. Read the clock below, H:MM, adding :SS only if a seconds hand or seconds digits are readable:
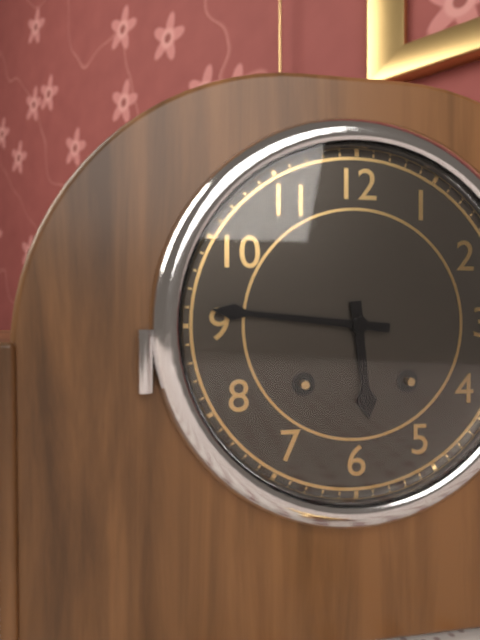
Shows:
5:46
